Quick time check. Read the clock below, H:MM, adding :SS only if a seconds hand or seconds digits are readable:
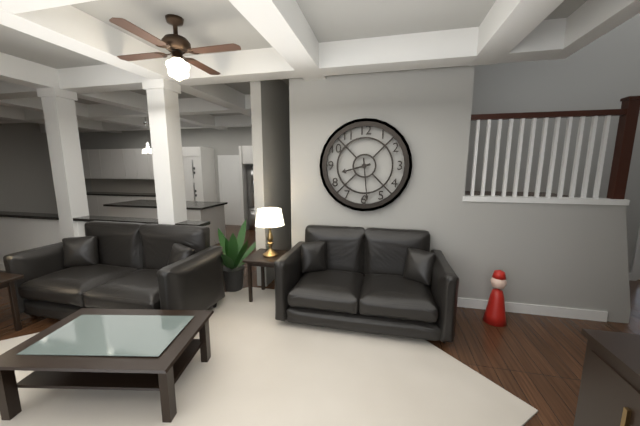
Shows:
8:29
